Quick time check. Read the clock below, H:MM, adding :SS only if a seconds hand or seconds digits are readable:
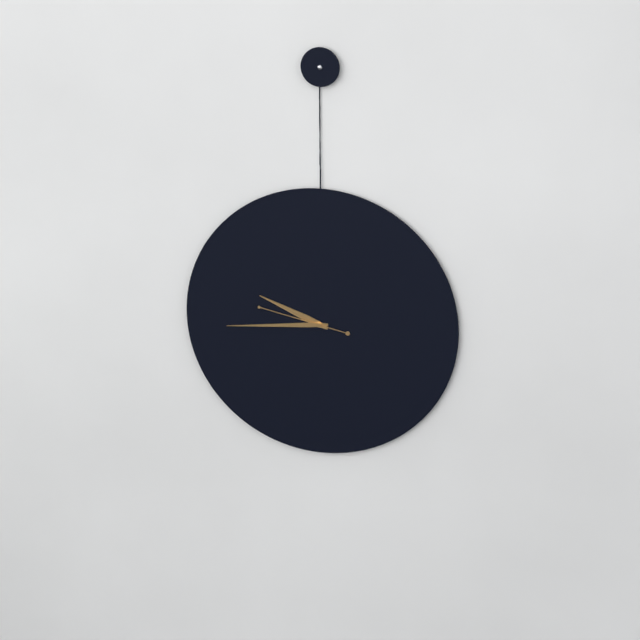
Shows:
9:44:47
